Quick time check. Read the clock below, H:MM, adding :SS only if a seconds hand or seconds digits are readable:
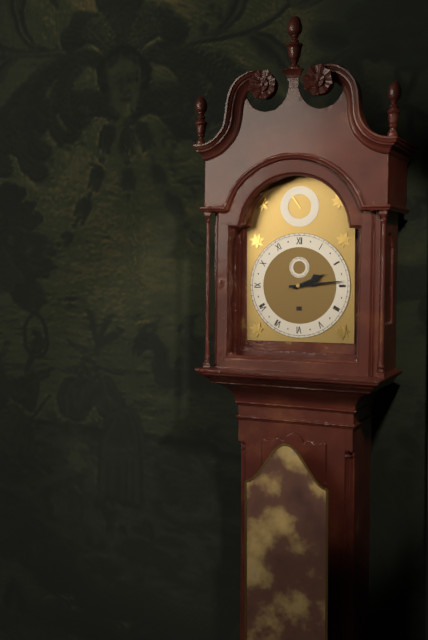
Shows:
2:14
